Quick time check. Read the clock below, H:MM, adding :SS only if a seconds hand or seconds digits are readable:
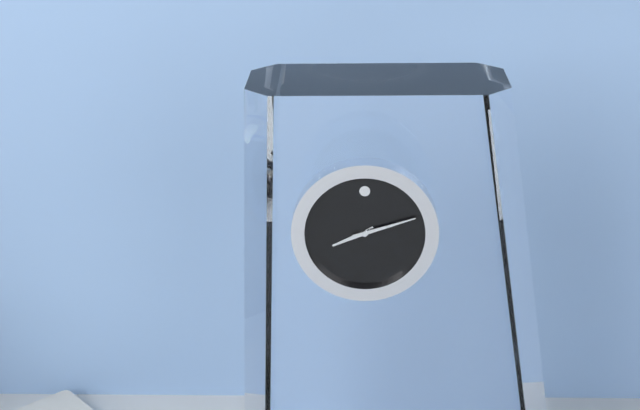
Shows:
8:12
